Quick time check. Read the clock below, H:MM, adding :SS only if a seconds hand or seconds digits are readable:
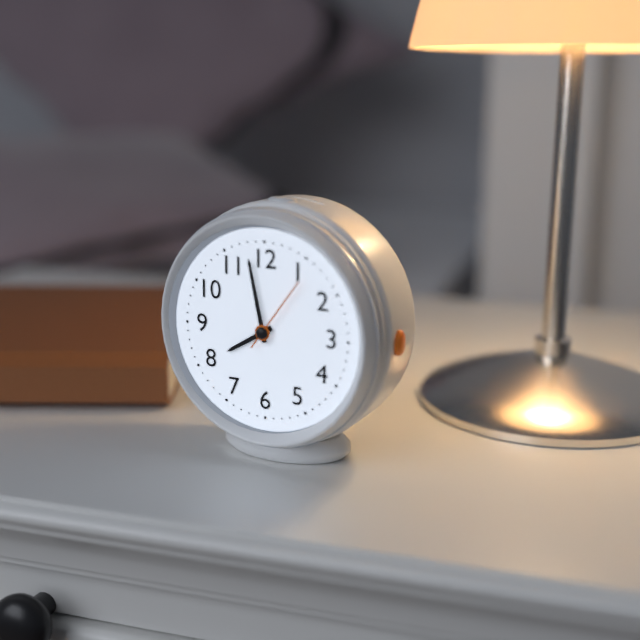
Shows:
7:58:06
